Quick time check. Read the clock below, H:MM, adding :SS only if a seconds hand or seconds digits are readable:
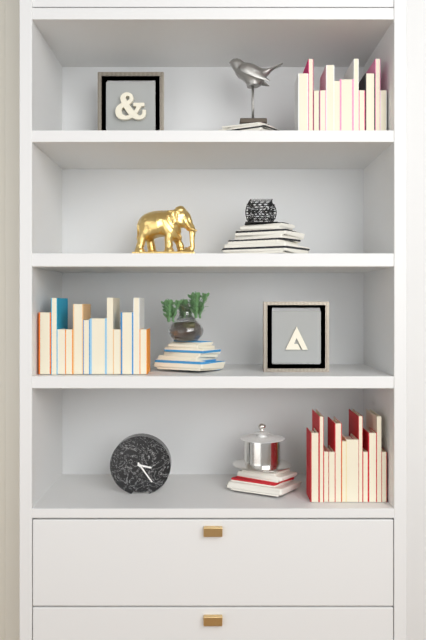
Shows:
3:24
